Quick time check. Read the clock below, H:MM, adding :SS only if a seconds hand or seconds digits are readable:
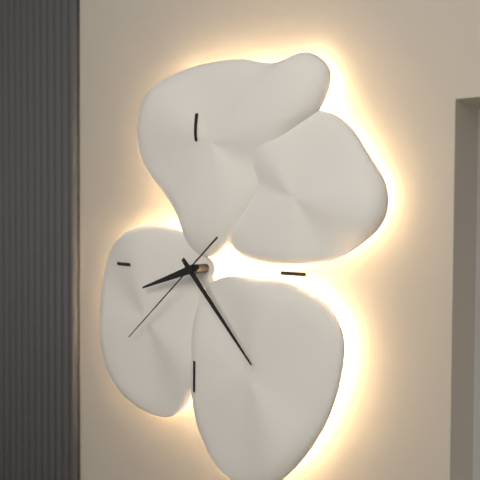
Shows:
8:23:38
